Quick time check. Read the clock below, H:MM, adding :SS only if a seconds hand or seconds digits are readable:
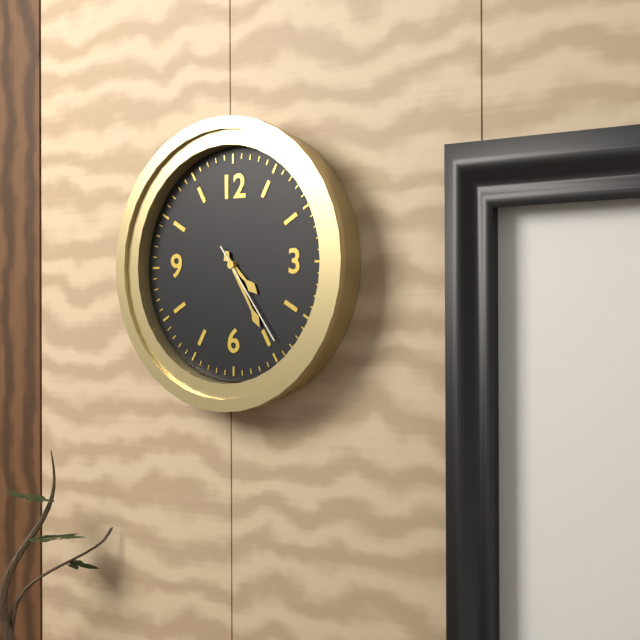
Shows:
4:25:24
